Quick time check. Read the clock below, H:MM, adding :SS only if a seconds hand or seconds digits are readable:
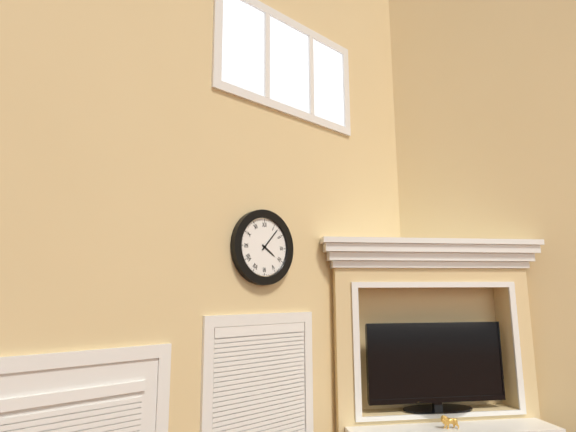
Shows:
4:07
